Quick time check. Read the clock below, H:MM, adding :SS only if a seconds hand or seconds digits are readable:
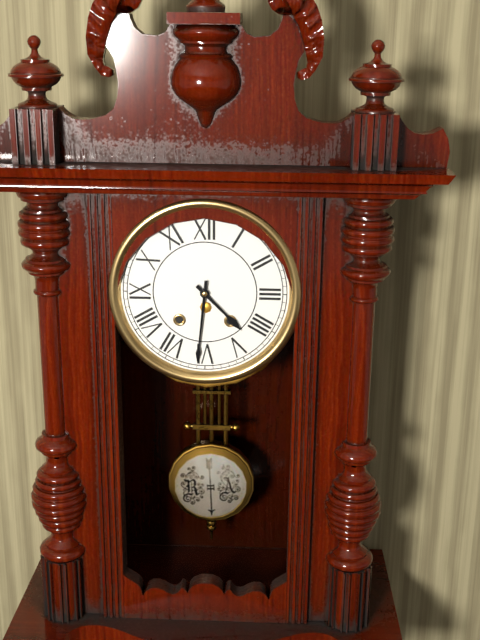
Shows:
4:31
